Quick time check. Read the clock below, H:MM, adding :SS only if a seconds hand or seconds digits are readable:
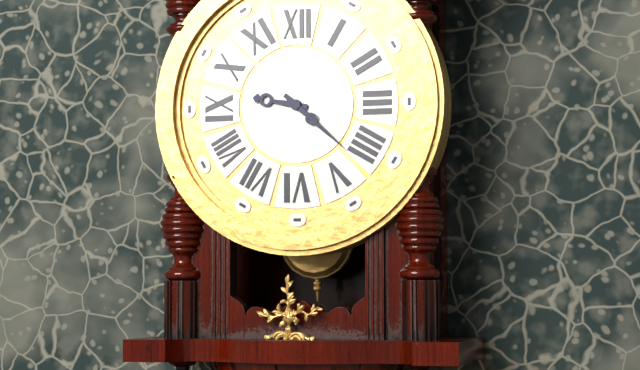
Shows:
9:22
